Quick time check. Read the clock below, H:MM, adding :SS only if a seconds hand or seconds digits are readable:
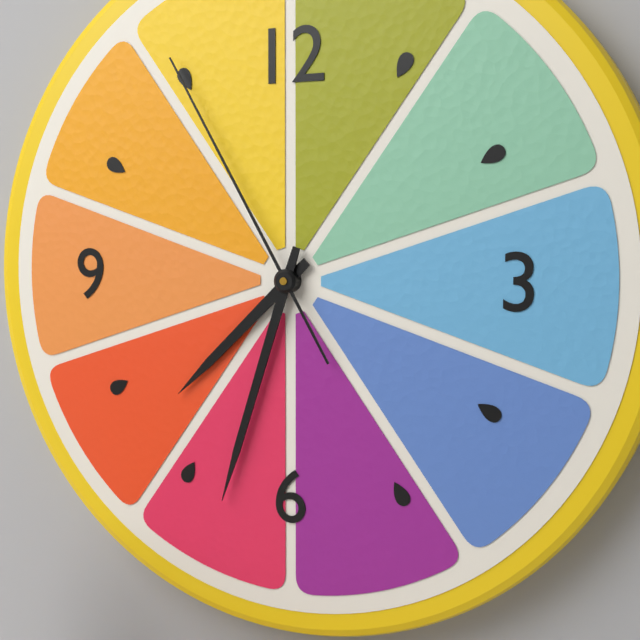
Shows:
7:33:55
